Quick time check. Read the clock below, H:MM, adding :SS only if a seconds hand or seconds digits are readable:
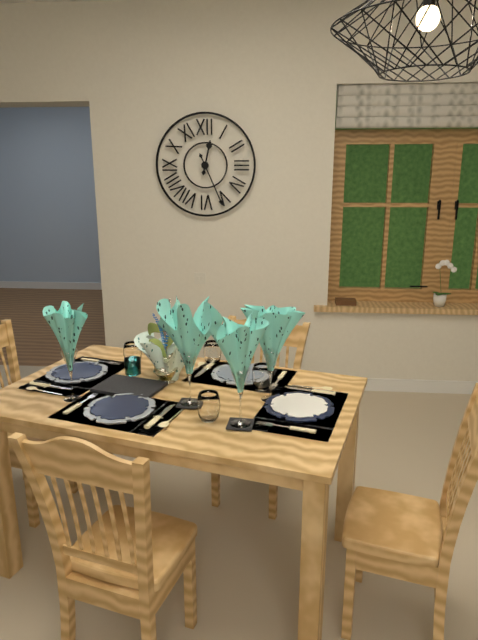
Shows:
12:26
